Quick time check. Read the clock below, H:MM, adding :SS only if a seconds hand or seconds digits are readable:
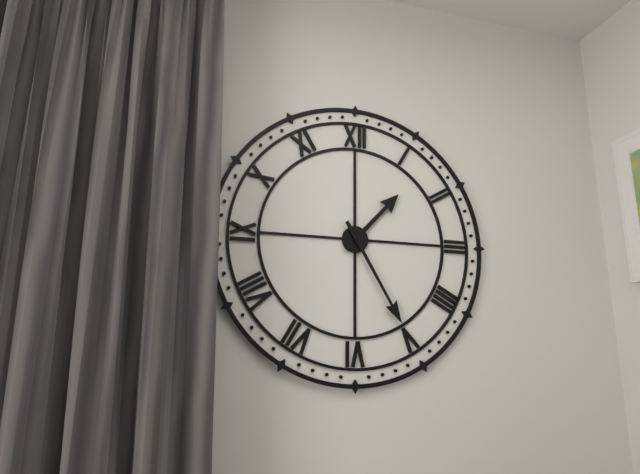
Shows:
1:25
